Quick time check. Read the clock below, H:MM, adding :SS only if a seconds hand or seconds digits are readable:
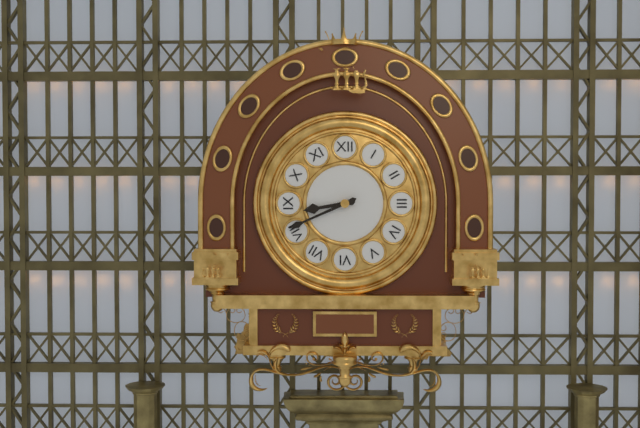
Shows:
8:41
